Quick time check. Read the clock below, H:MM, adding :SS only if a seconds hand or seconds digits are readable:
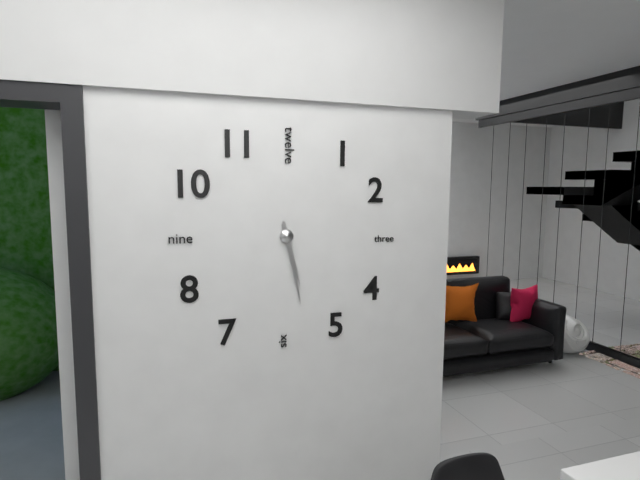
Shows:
5:28
